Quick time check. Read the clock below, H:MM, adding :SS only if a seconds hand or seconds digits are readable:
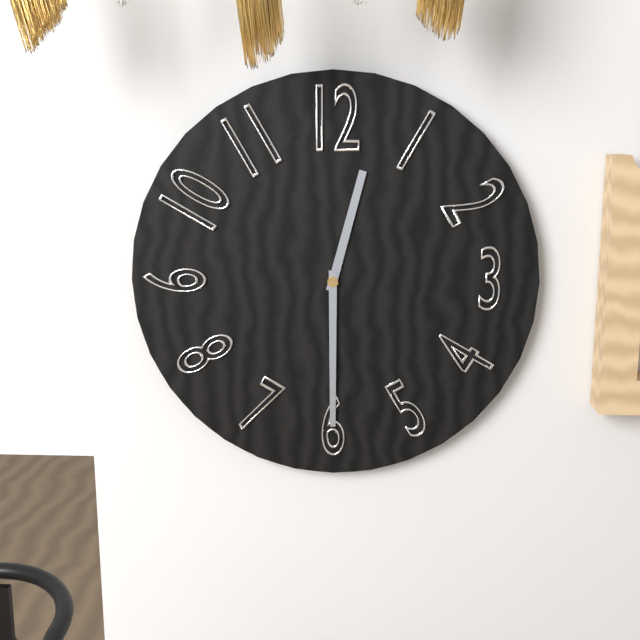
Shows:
12:30
